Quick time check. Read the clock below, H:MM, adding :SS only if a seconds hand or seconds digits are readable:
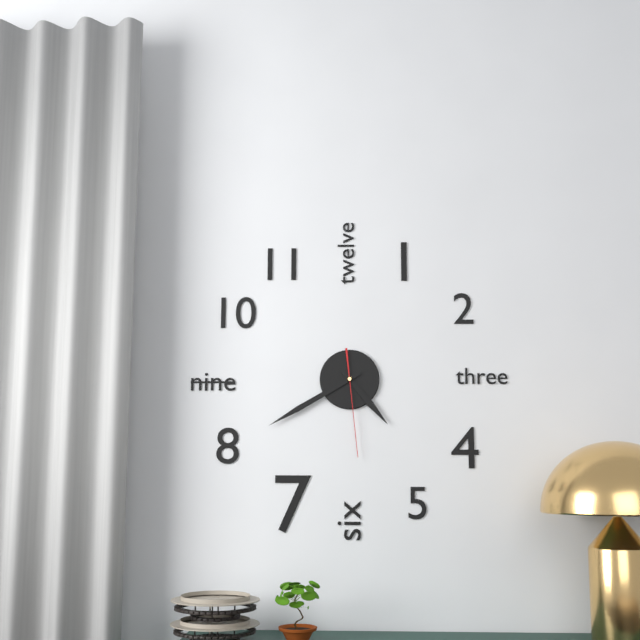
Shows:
4:40:29
